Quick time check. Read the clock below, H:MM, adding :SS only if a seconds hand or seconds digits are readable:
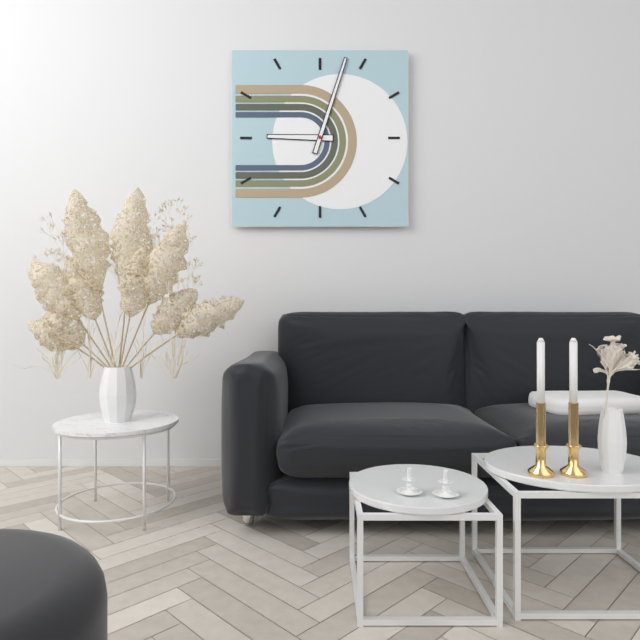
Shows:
9:03
